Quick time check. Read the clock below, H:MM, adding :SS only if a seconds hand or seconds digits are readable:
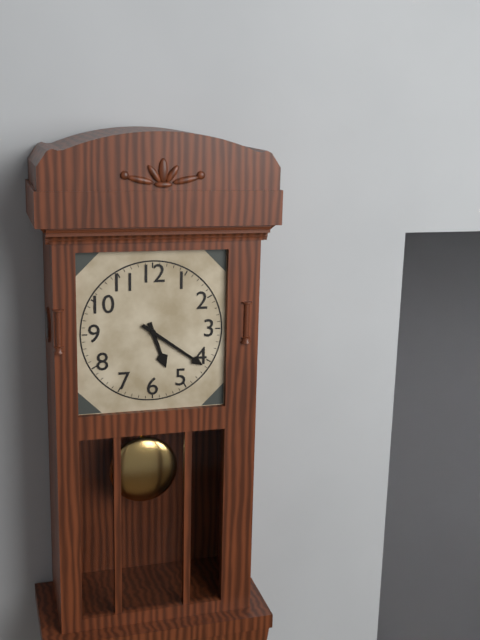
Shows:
5:21
